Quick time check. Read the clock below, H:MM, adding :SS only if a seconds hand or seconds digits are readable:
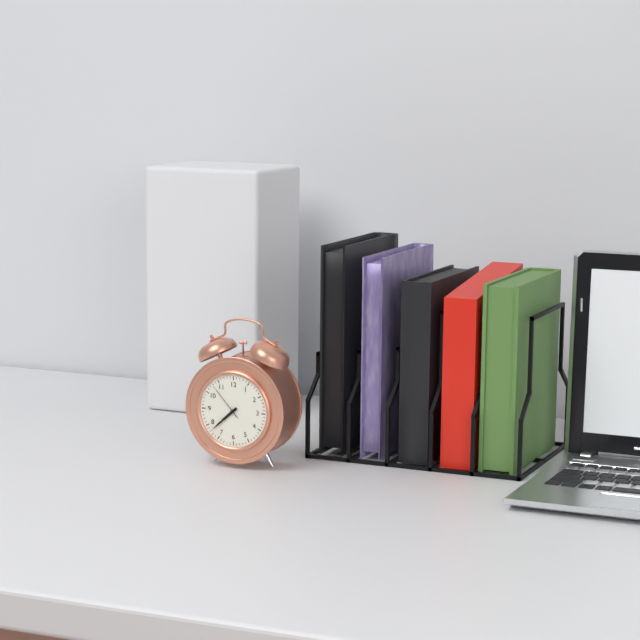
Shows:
7:38
